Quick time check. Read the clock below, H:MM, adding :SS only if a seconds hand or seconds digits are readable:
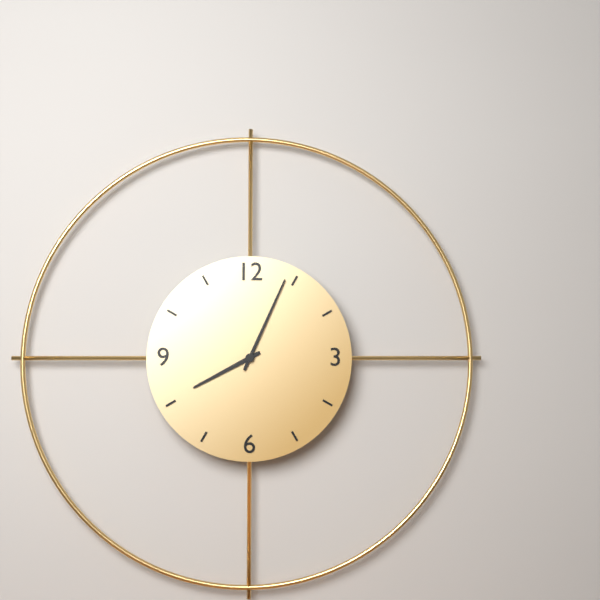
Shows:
8:04
